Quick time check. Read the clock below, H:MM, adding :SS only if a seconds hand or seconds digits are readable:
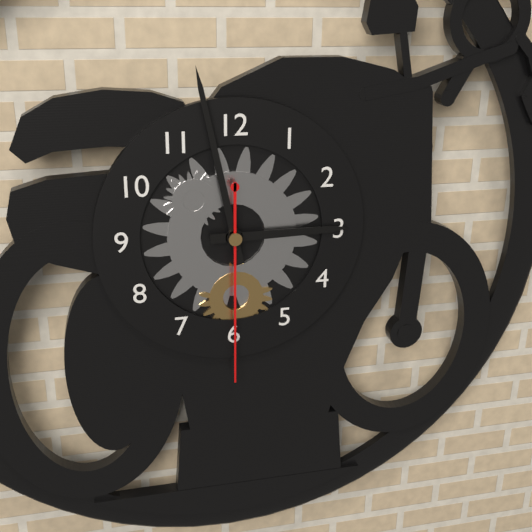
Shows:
2:58:30
